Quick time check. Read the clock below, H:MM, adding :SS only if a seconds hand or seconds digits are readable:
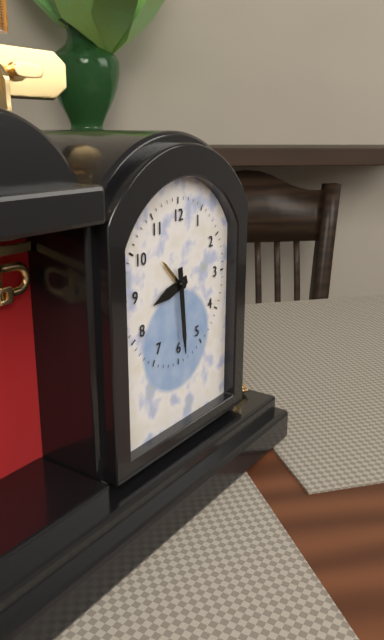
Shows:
8:29
